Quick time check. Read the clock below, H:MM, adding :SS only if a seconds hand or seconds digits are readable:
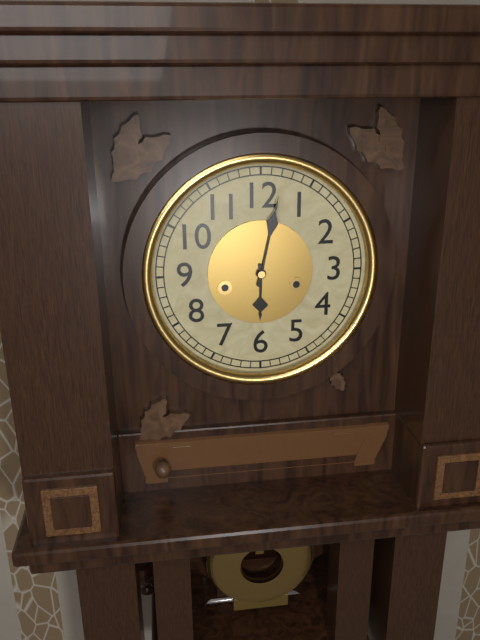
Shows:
6:02
